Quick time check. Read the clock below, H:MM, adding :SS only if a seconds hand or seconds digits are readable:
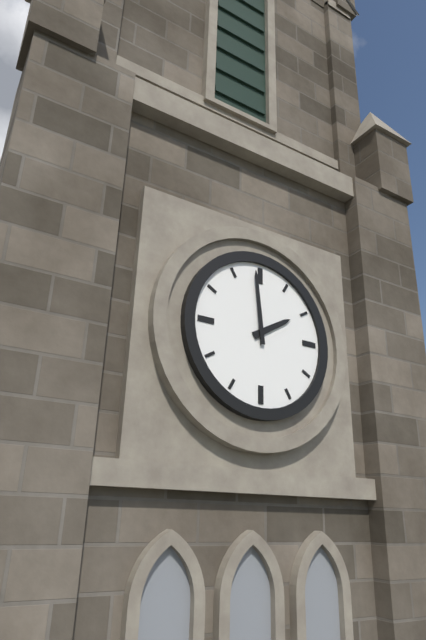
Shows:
1:59
